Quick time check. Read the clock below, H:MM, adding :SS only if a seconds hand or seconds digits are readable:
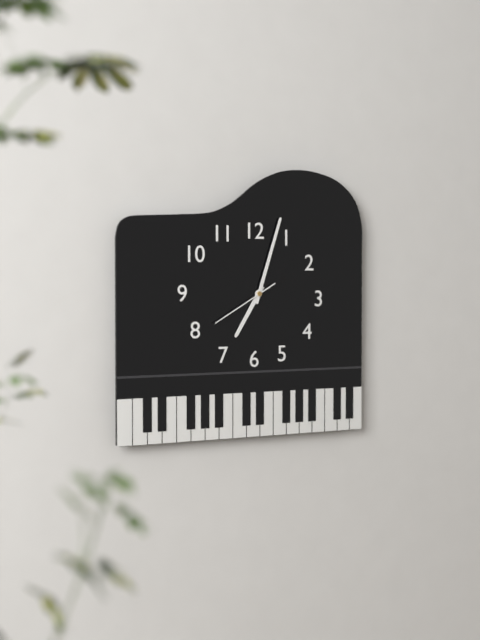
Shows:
7:03:40
